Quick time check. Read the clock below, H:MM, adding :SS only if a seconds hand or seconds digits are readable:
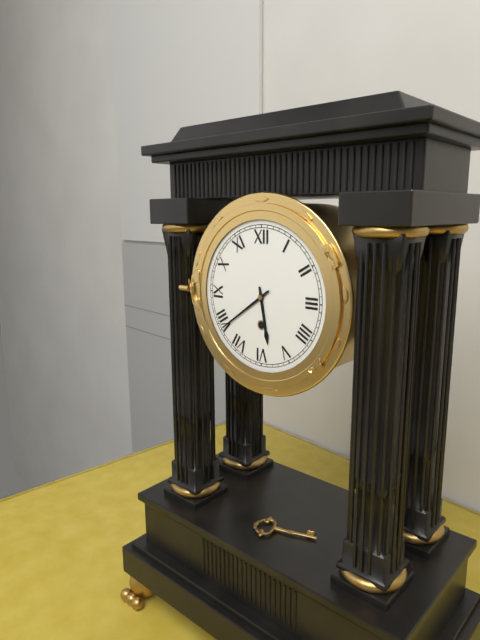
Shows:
5:39
